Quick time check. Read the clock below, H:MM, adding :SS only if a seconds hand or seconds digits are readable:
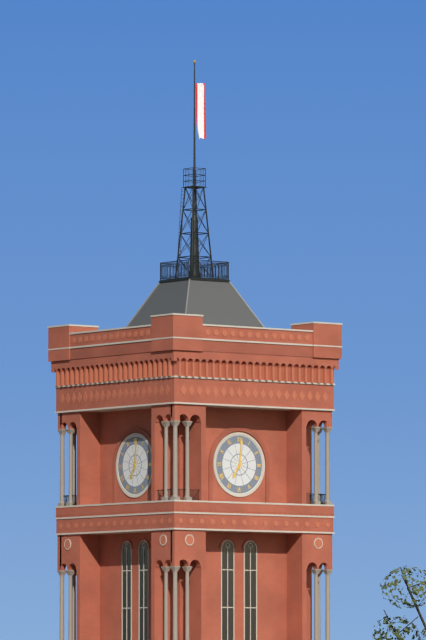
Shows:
7:01
